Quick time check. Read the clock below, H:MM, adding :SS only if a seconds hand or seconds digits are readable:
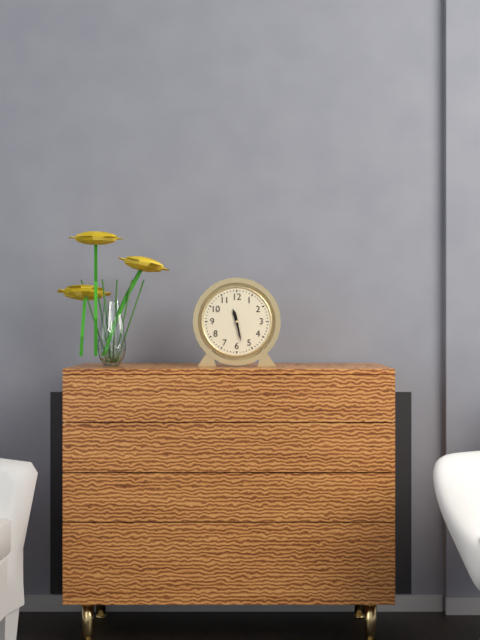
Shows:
11:28
